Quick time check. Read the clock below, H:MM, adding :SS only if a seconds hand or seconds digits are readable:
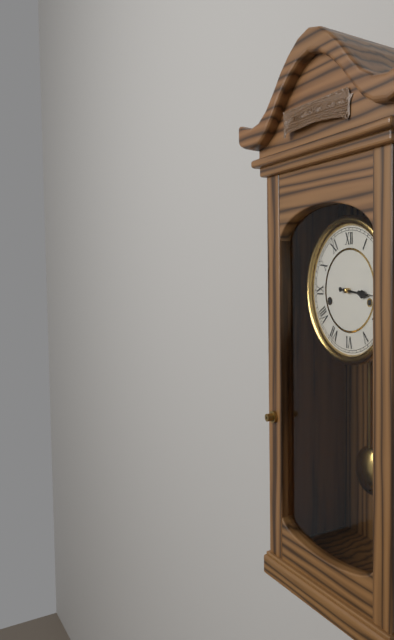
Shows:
3:16
